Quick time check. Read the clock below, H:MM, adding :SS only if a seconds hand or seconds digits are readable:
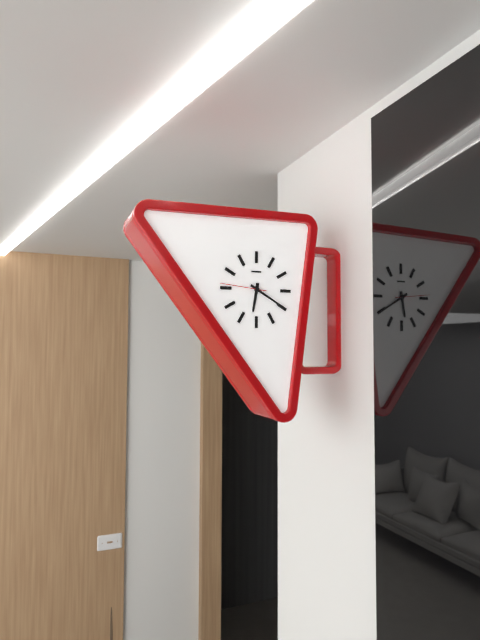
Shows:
6:20
